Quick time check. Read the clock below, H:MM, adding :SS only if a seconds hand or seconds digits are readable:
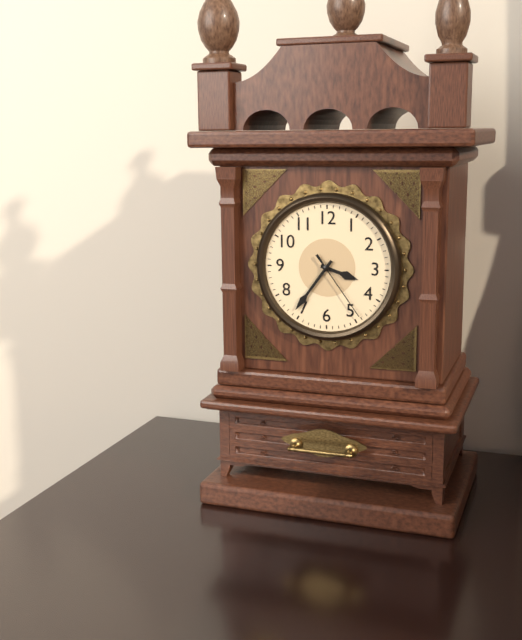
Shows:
3:36:24
